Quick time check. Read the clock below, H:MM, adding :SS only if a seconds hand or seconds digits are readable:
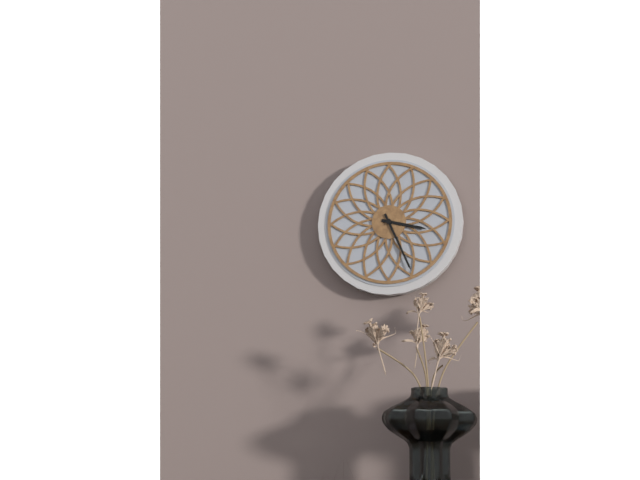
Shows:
3:26
